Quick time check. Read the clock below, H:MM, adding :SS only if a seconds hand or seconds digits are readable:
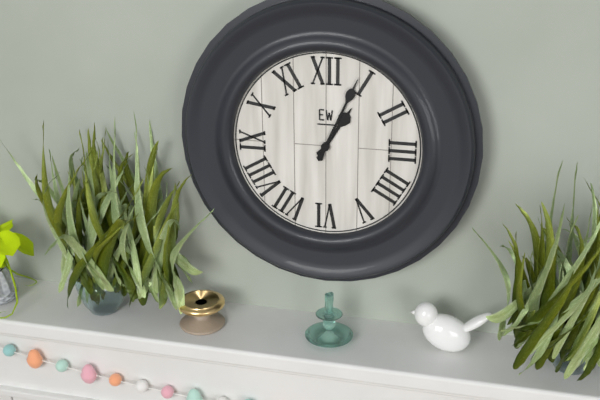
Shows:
1:04
